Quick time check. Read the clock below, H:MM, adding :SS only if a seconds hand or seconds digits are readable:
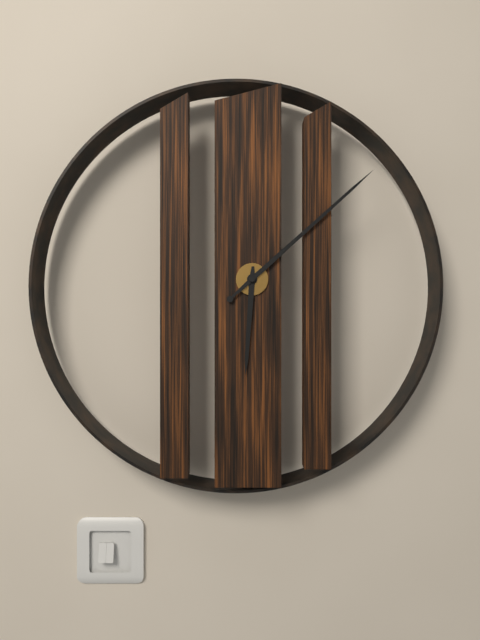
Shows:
6:08
